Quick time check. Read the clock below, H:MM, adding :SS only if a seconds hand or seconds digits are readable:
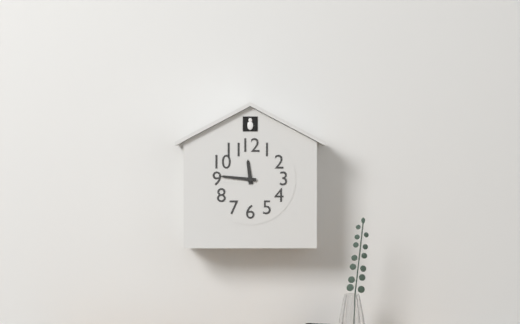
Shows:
11:46
